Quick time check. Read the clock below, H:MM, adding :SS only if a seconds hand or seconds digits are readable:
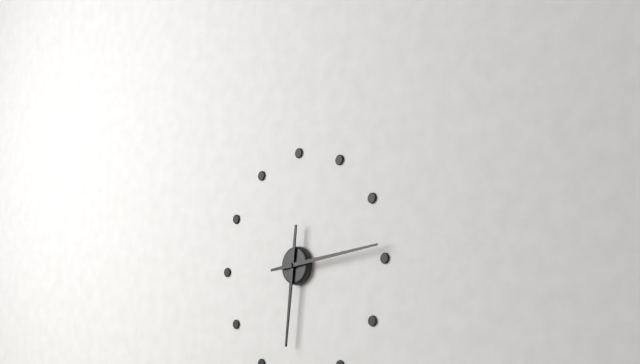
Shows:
6:14
